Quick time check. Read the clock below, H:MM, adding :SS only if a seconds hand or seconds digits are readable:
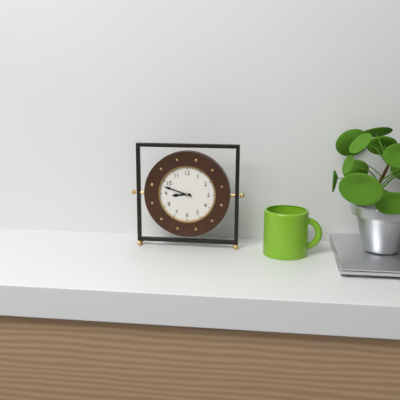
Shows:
8:48
